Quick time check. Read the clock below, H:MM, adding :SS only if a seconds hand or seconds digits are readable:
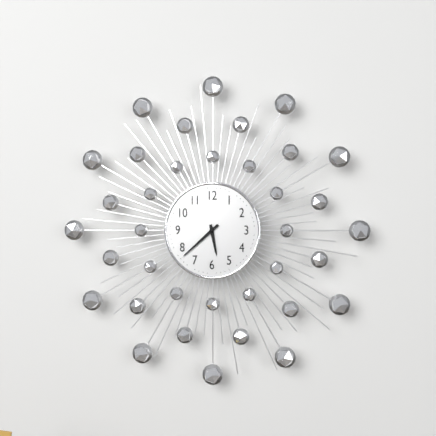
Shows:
5:38
